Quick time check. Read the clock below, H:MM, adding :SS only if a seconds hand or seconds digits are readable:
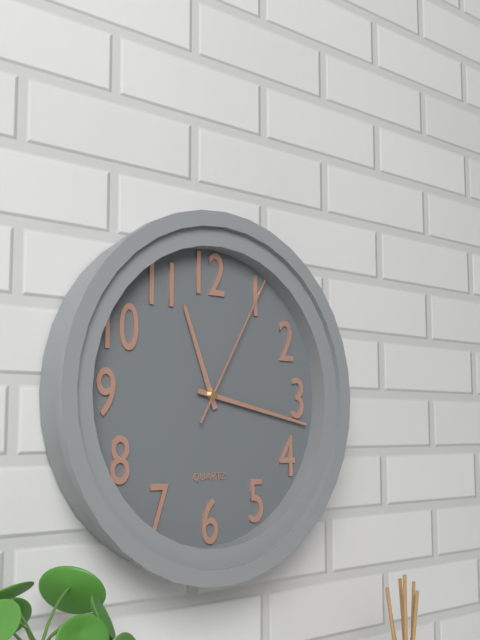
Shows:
11:17:05
